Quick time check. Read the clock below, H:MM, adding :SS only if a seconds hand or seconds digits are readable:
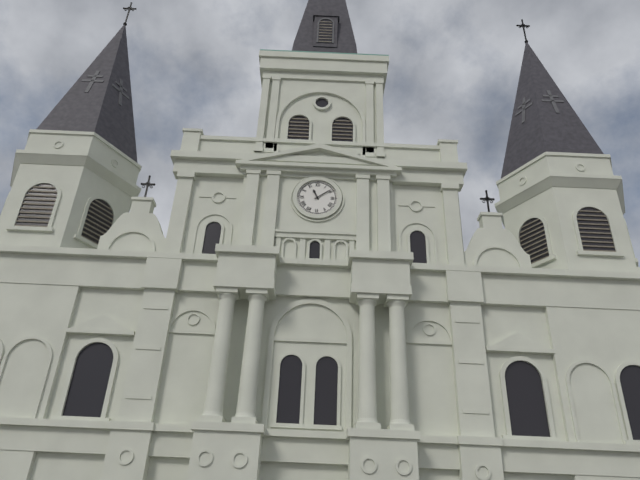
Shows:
11:09
